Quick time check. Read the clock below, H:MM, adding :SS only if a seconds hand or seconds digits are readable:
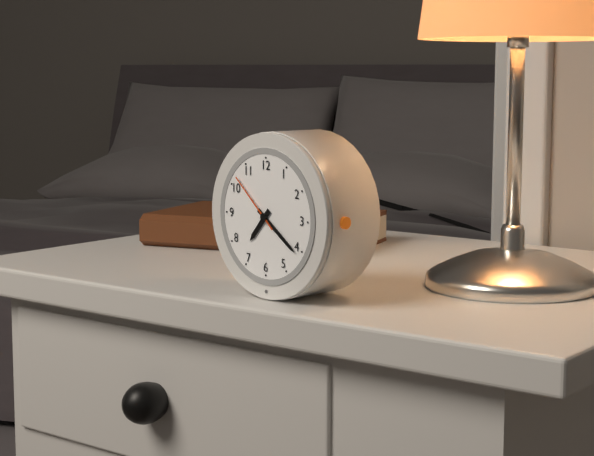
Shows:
7:21:52
